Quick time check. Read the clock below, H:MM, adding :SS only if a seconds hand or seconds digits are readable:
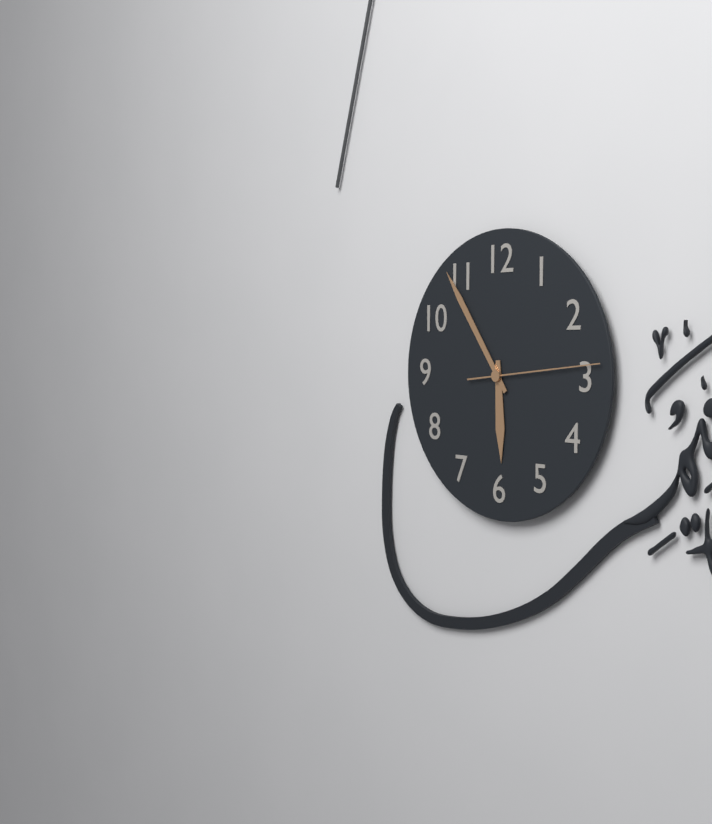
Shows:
5:54:14
